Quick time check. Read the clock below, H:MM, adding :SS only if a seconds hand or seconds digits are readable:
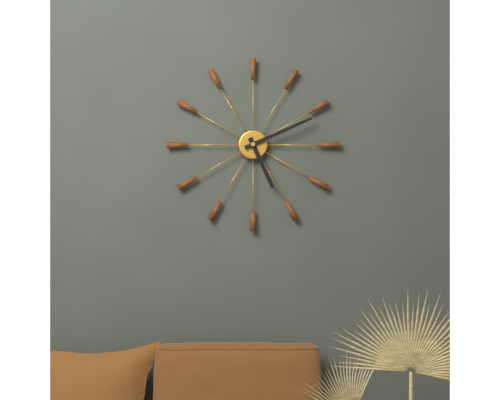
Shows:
5:11
